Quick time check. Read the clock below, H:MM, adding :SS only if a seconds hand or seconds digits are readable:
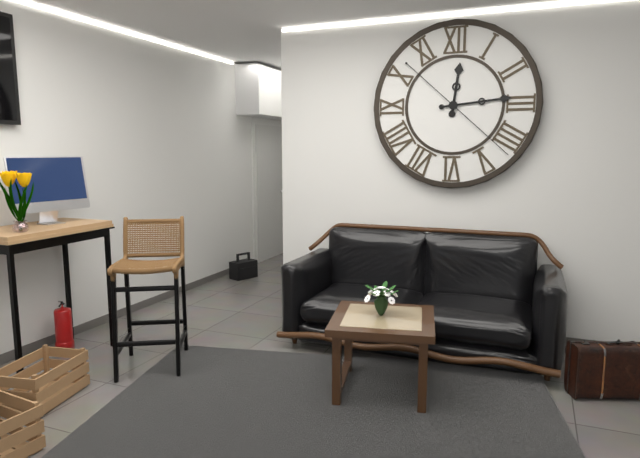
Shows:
12:14:22
